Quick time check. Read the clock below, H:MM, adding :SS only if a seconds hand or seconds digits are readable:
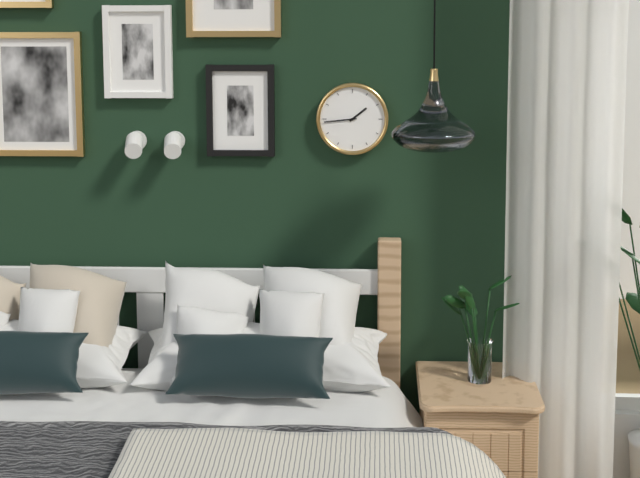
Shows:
1:44
